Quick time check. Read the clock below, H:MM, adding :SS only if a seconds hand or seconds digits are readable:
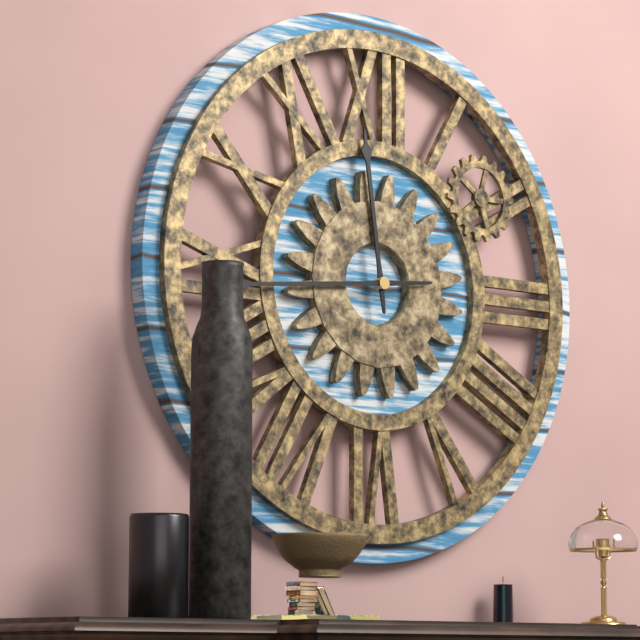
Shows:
11:44
